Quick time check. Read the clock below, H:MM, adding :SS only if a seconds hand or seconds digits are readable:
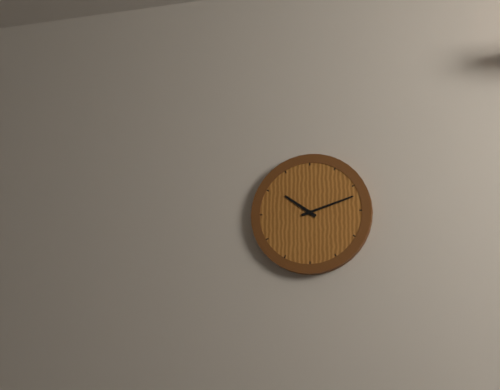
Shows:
10:12
